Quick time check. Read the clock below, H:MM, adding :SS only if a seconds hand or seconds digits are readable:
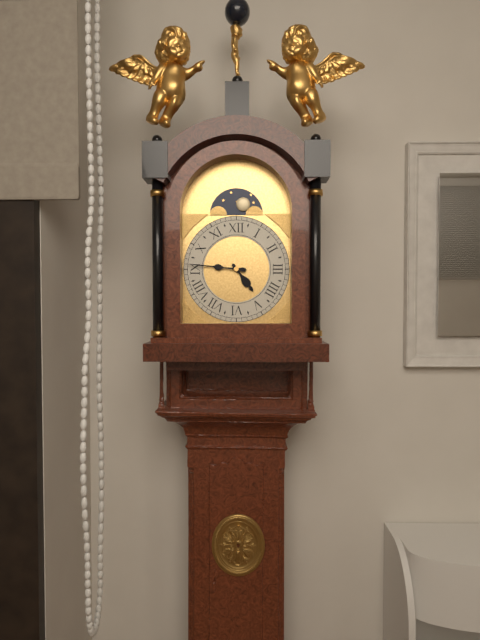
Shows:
4:46
